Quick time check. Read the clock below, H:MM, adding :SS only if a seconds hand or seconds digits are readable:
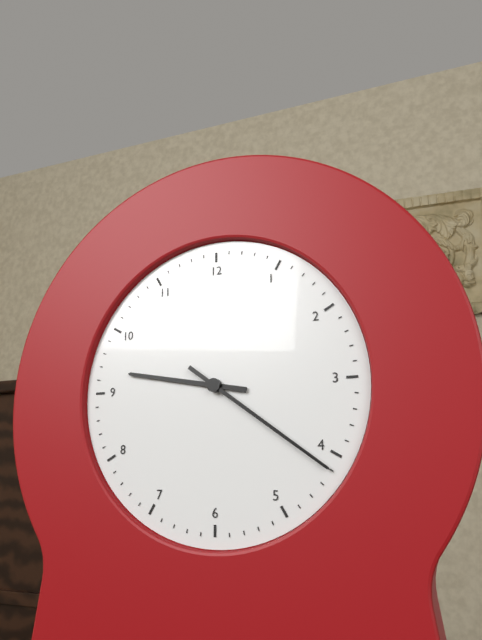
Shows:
9:21
